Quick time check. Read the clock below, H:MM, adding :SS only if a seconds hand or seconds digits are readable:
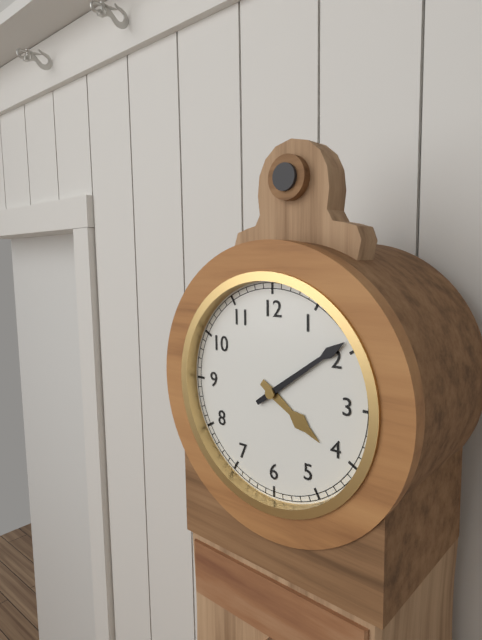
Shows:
4:09
